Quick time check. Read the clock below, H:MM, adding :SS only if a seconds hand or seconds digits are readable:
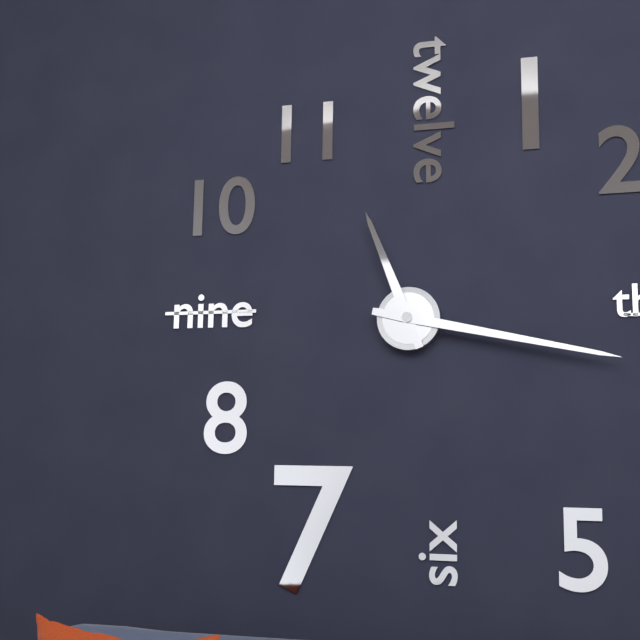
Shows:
11:17
